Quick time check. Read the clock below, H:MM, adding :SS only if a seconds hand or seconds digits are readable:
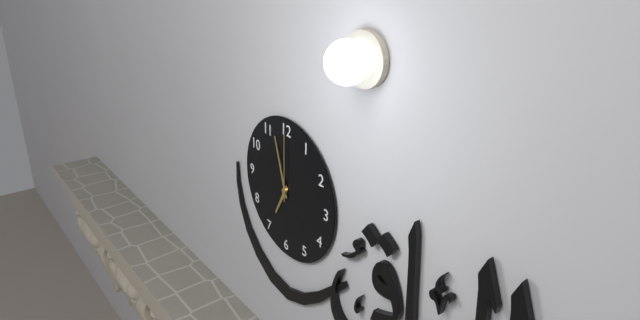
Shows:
6:57:00
